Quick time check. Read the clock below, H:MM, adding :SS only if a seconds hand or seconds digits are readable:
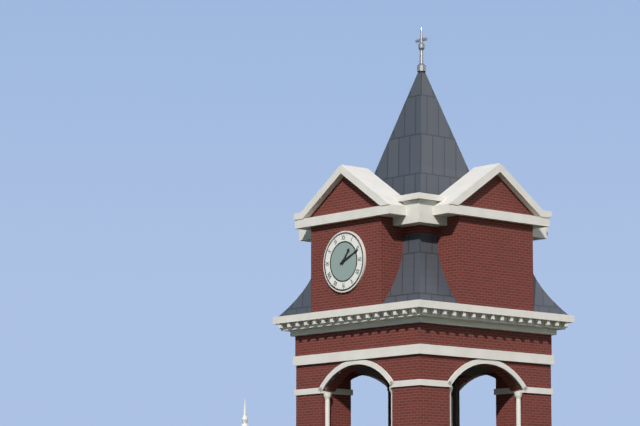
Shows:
1:11
